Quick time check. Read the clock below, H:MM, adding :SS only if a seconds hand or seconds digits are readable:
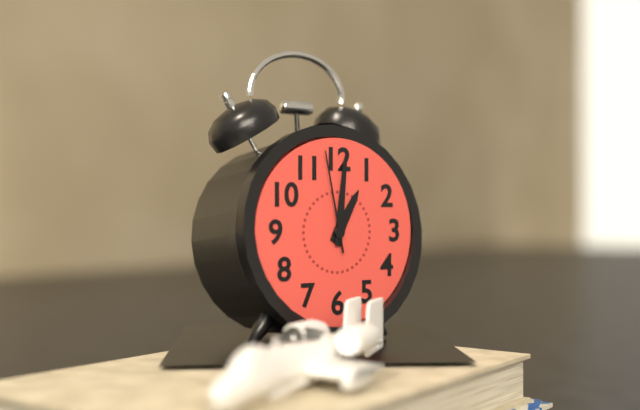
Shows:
1:01:58
